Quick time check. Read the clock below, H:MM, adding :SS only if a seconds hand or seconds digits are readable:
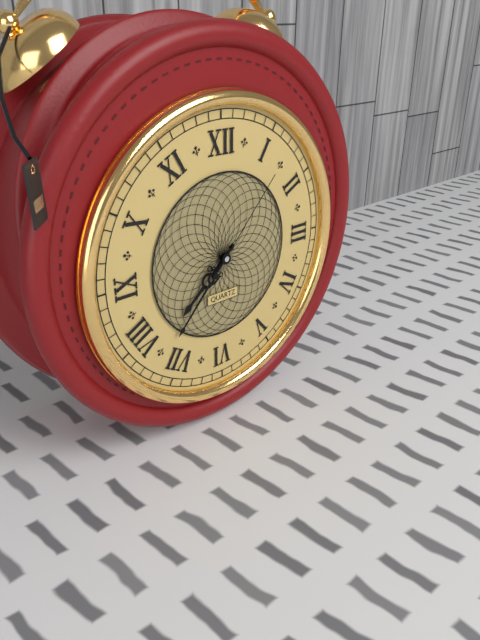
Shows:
7:37:07
